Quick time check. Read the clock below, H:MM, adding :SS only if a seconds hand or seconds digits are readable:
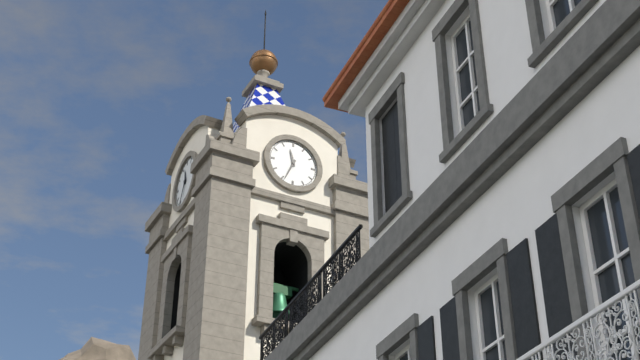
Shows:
11:34
